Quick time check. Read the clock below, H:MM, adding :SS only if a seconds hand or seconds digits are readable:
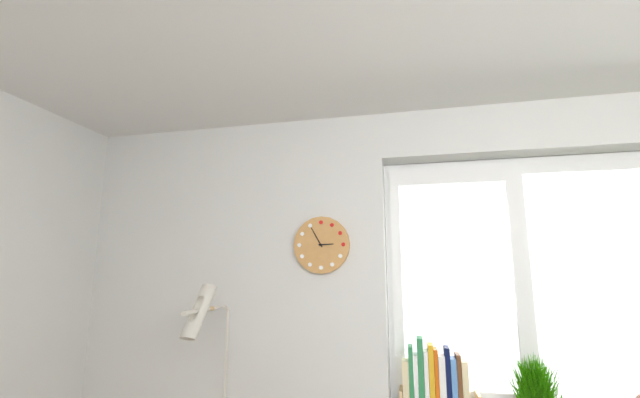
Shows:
2:55
